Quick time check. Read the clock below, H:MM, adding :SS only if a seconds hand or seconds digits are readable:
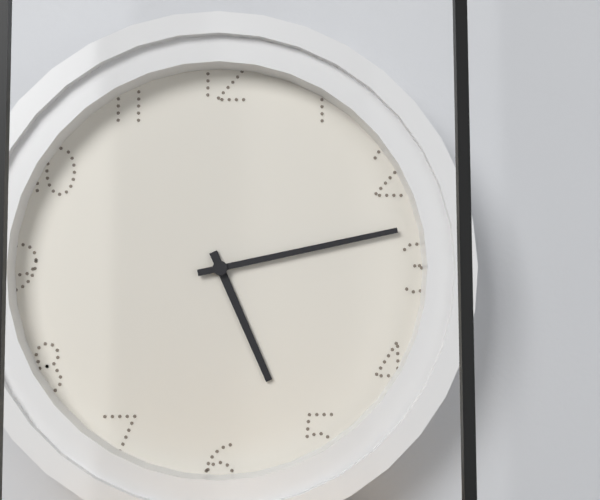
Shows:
5:13
